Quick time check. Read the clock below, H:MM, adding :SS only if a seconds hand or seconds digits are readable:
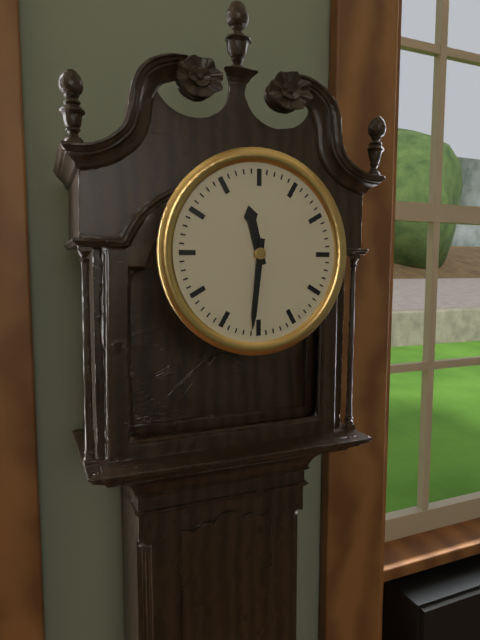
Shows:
11:31
